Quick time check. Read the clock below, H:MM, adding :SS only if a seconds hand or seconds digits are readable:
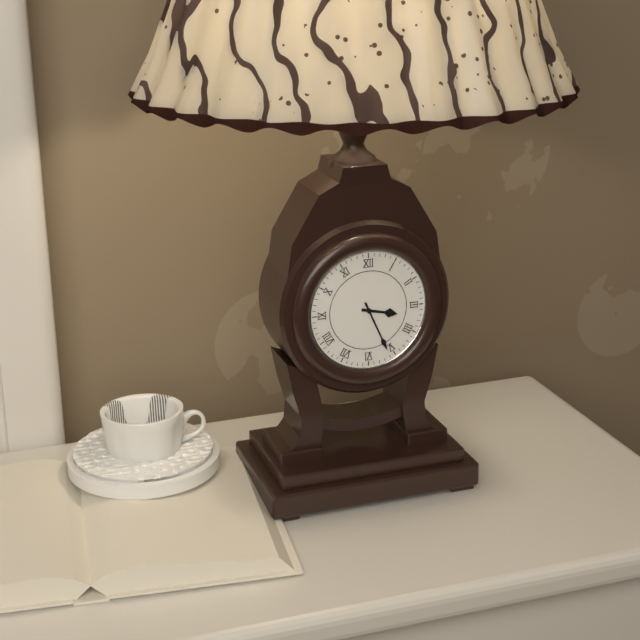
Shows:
3:26
